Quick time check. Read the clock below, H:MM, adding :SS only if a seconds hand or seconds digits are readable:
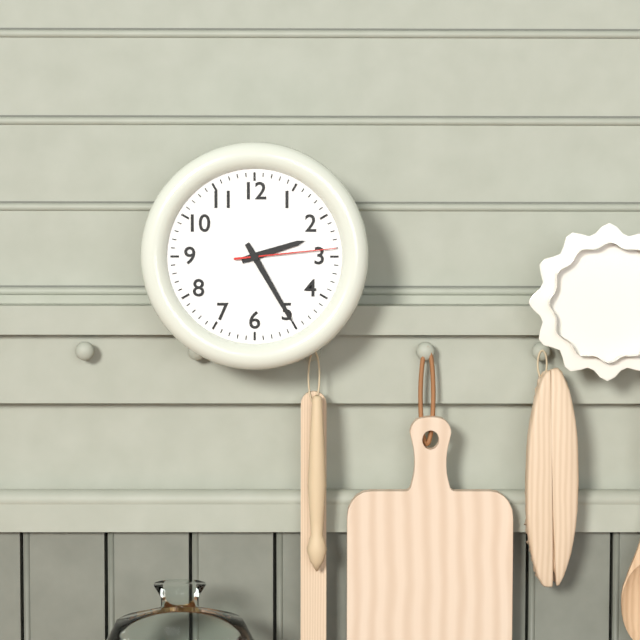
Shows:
2:25:14
